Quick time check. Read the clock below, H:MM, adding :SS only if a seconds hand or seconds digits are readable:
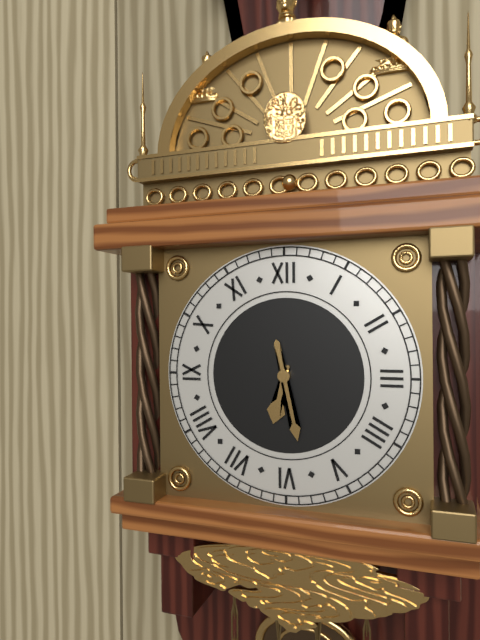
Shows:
6:28
